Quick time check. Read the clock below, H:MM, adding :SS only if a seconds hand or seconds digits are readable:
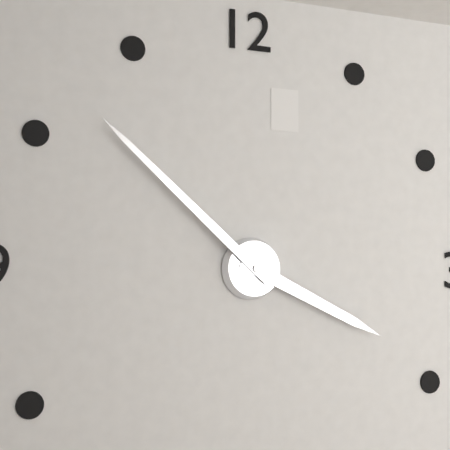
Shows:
3:52
